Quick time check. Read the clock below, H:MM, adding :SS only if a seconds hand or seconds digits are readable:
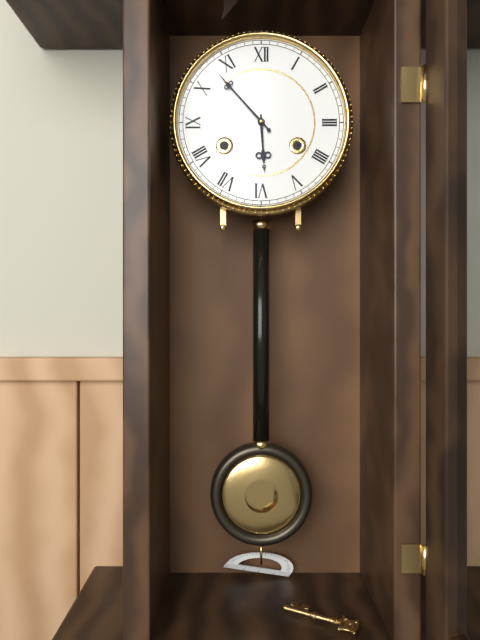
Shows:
5:53
